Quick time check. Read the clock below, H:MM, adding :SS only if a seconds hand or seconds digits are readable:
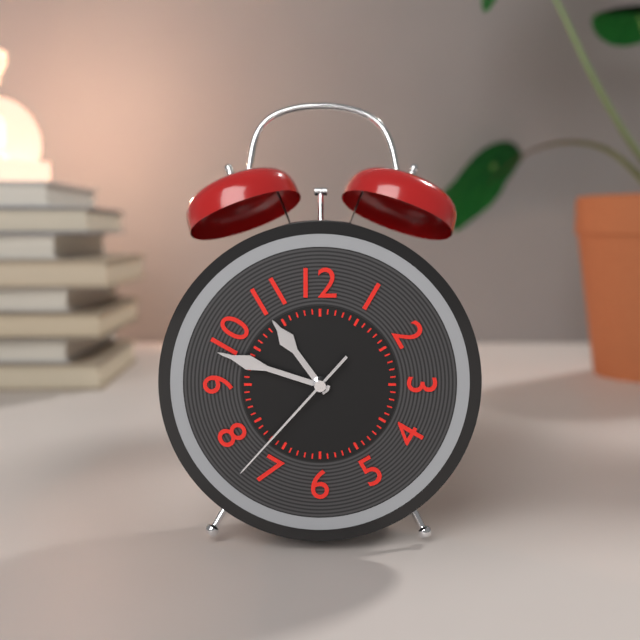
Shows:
10:48:37
